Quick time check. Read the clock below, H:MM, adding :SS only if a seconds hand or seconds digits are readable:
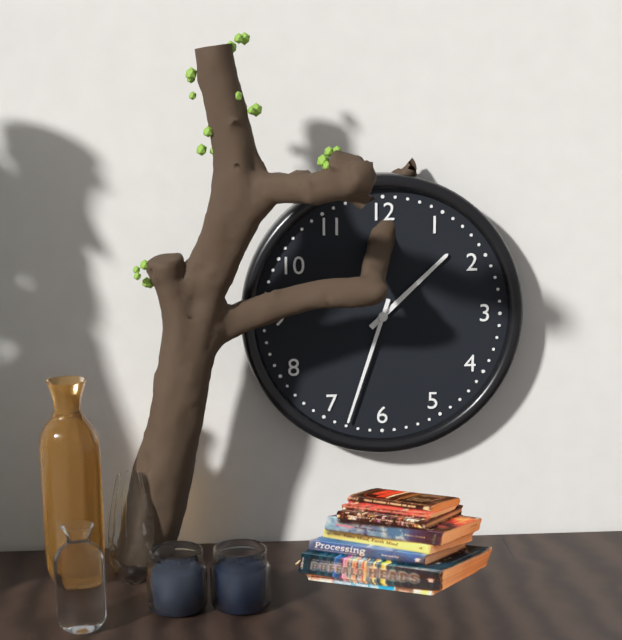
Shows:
1:33
